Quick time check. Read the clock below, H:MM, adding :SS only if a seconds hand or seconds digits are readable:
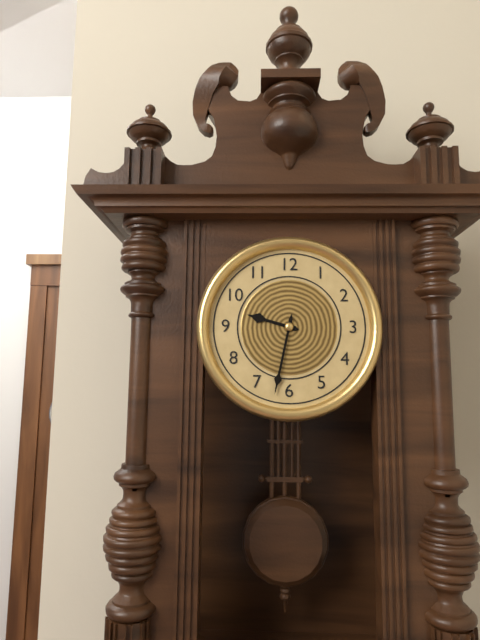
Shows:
9:32
